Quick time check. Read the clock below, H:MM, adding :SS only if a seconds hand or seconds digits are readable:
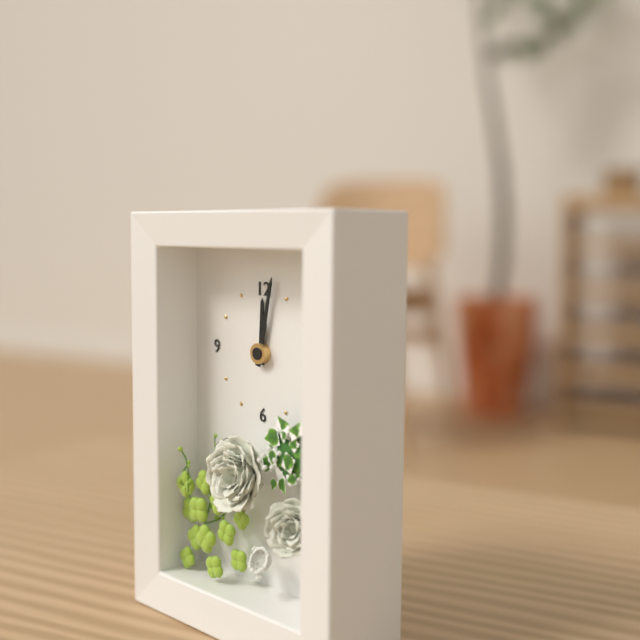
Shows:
12:02
